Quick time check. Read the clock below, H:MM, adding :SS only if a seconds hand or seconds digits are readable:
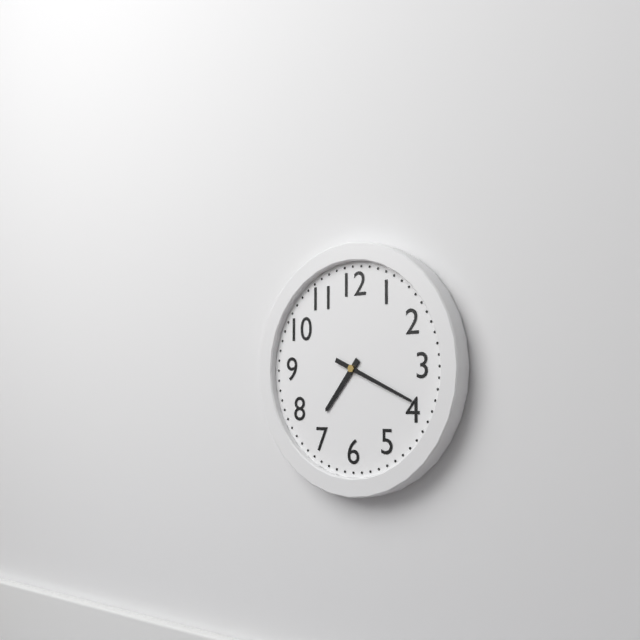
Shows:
7:19
